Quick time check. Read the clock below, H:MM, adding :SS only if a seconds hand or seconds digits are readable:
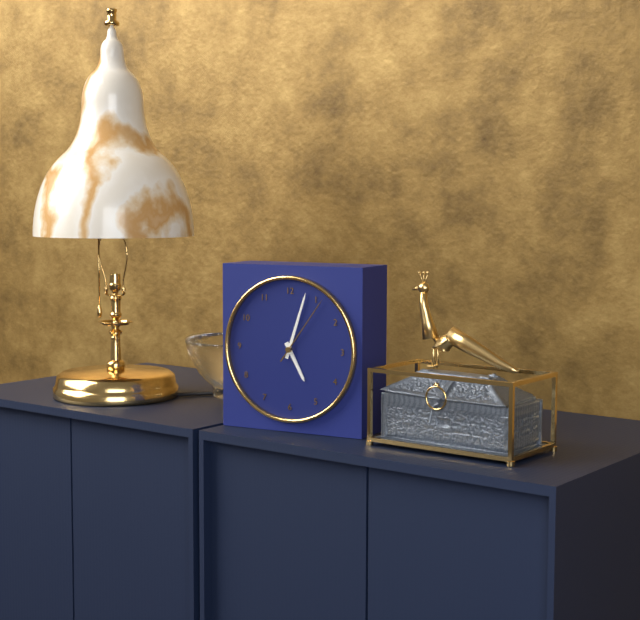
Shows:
5:03:06
